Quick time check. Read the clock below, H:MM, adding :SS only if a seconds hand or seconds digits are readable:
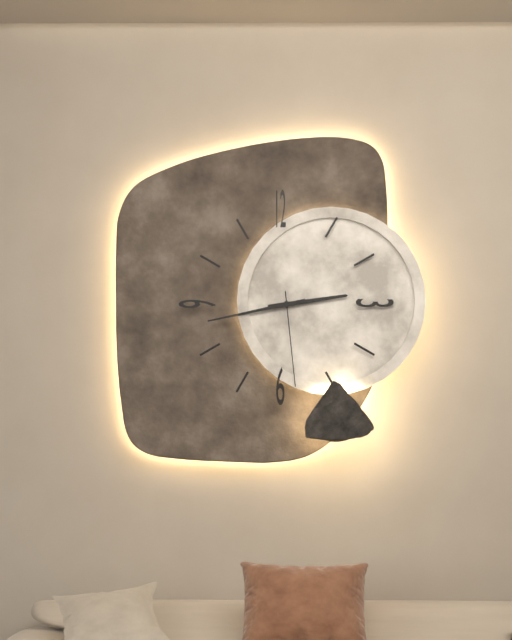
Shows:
2:43:29
